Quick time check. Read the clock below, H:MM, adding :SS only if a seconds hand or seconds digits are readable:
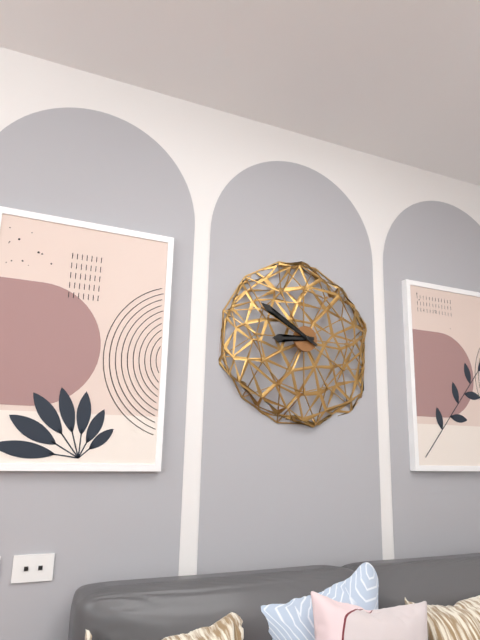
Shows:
8:50
